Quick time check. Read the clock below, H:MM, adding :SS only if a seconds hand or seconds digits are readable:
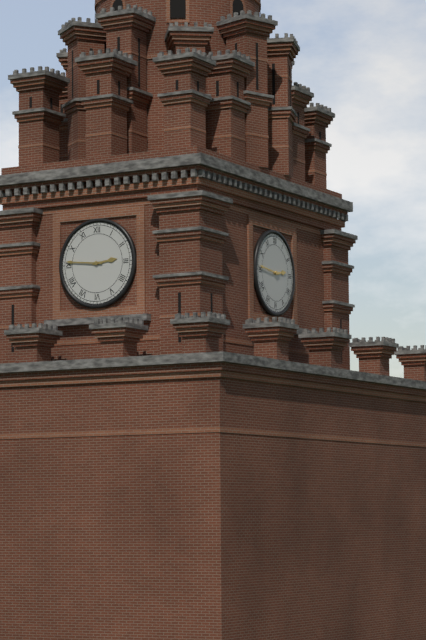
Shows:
2:46
